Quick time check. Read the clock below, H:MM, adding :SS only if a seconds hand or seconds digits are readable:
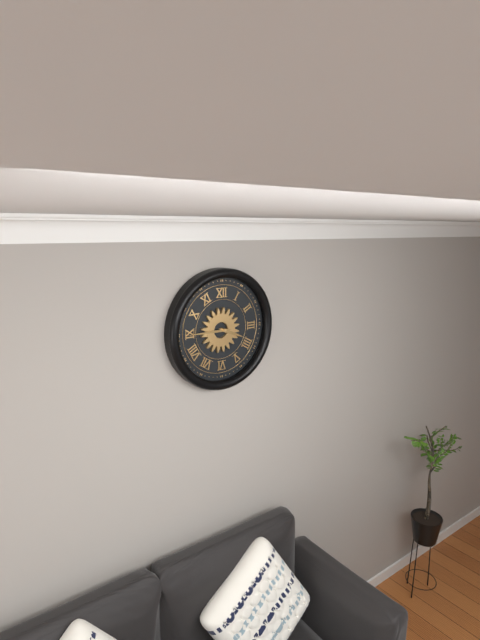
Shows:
3:45
